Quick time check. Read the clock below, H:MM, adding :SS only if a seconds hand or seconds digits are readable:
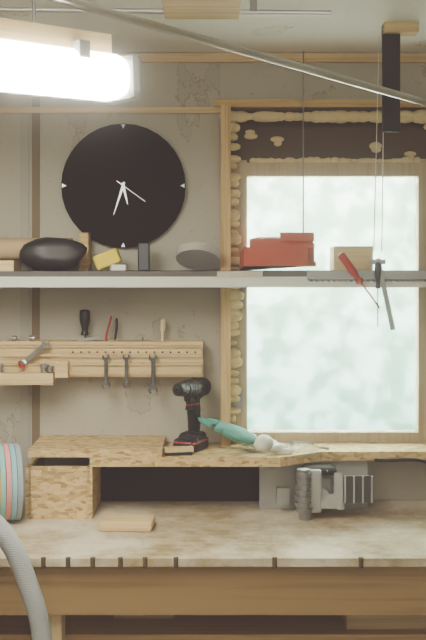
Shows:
5:33
